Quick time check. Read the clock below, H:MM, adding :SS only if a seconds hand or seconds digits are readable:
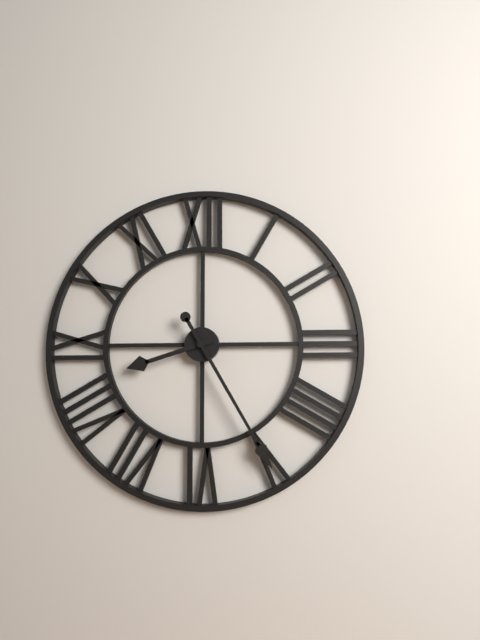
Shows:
8:25
